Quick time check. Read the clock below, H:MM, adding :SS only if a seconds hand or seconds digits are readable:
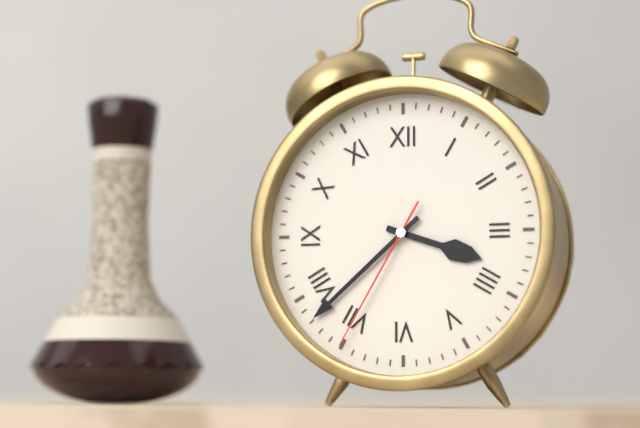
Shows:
3:38:35
